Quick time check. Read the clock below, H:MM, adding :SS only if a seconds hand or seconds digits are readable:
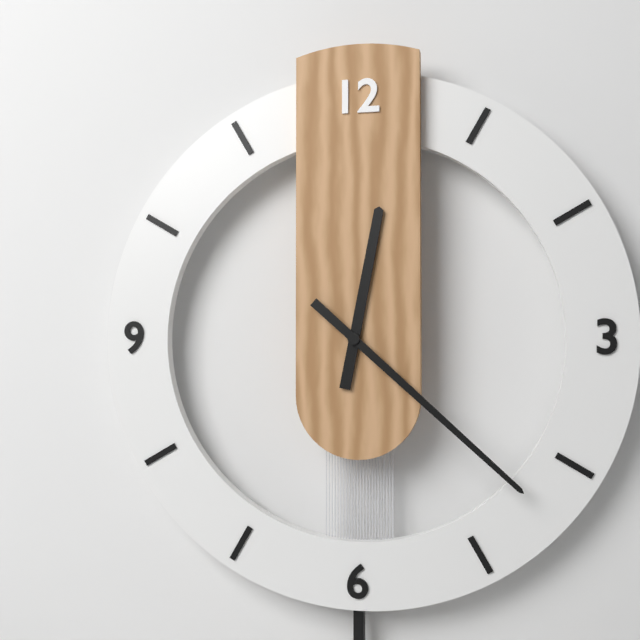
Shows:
12:22
